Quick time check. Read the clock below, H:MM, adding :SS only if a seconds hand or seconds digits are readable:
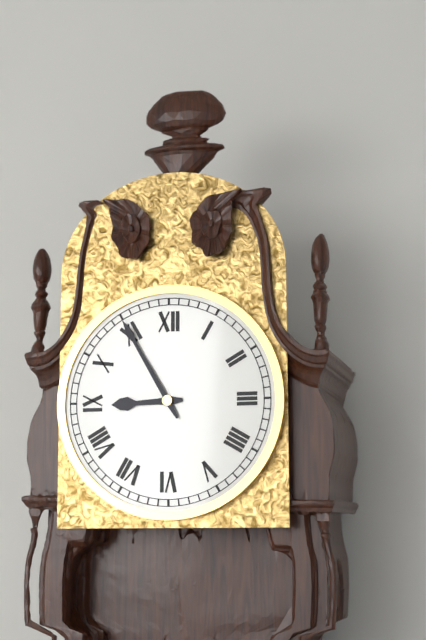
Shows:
8:55
